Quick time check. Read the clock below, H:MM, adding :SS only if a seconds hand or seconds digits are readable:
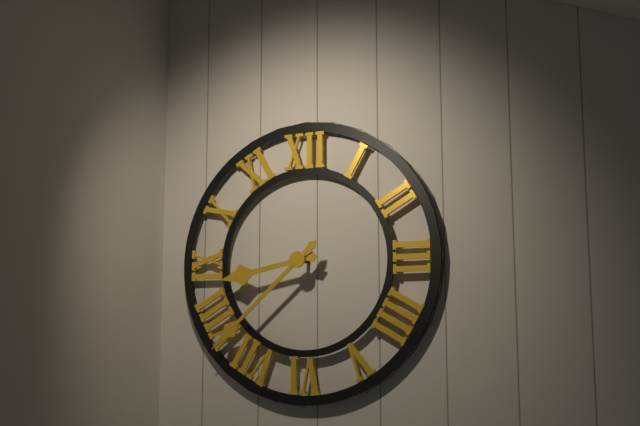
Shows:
8:38
